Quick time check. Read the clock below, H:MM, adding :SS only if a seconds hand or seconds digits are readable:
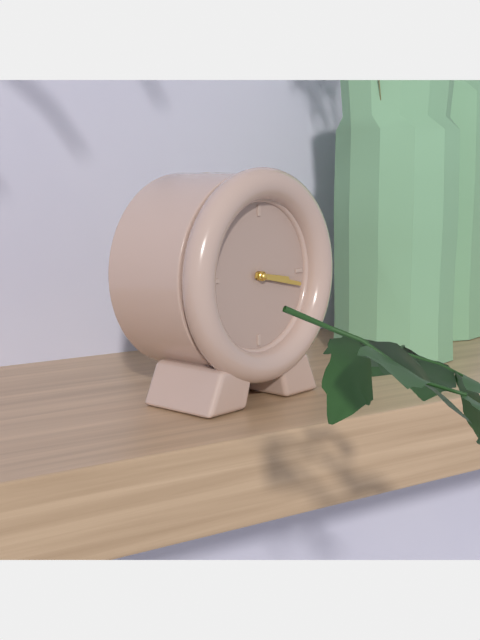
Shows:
3:17
